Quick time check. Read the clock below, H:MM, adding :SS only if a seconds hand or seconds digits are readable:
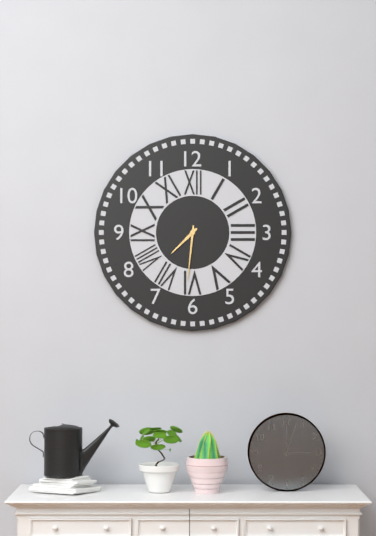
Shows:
7:31
